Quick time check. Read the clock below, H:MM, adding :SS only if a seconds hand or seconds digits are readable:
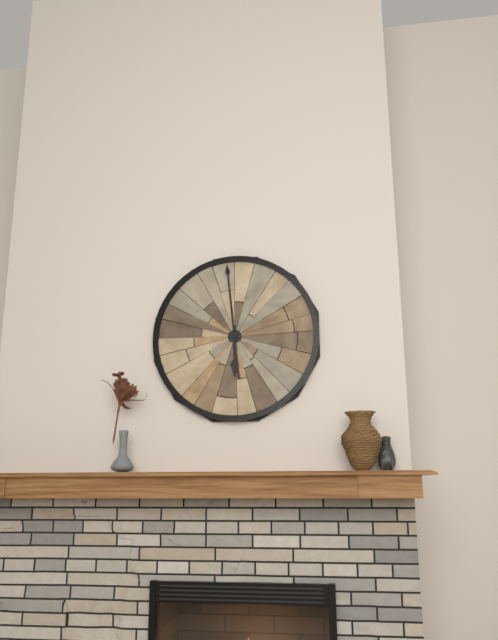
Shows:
5:59
